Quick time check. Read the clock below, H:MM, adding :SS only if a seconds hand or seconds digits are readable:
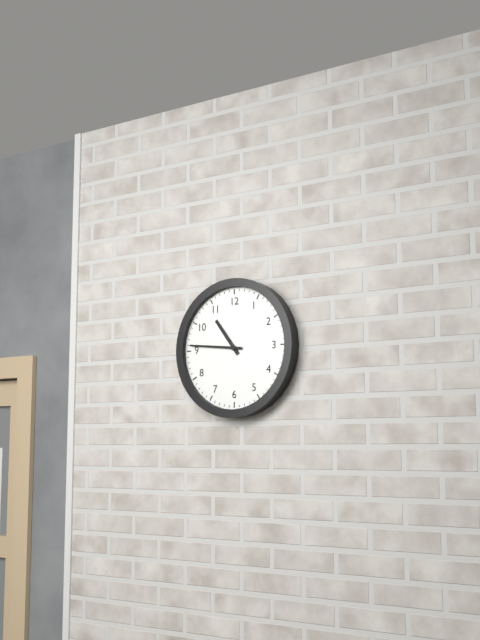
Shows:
10:46
